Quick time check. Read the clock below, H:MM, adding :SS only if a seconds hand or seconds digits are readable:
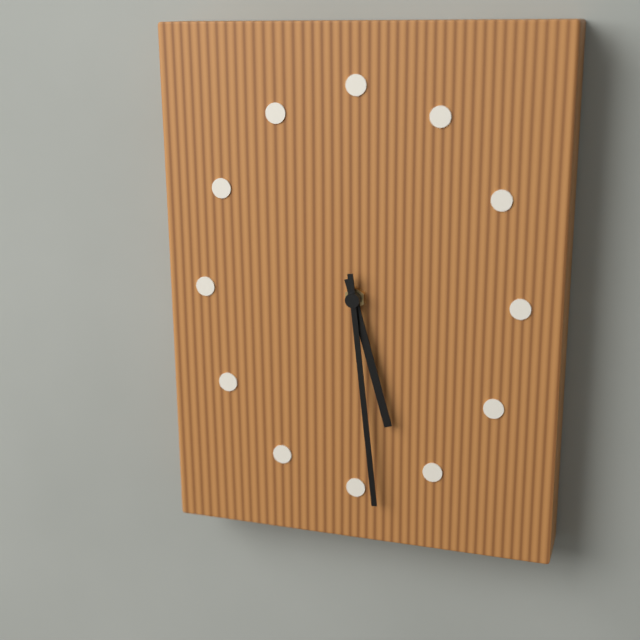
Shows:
5:29
